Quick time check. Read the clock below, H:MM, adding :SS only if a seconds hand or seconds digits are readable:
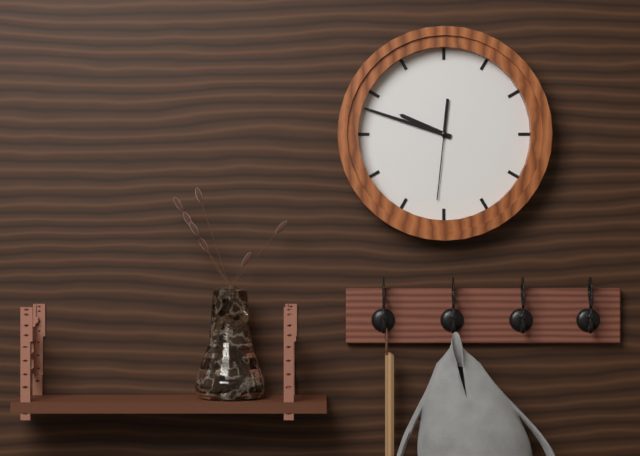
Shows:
9:48:31
